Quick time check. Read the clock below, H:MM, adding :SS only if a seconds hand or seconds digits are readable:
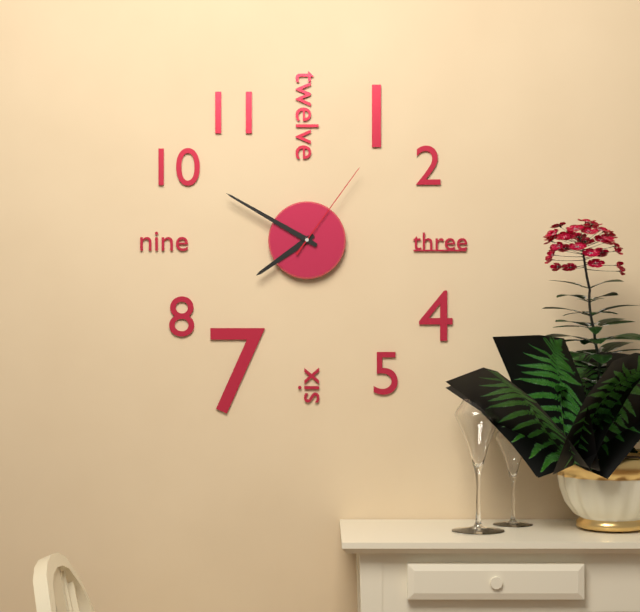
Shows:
7:50:06
